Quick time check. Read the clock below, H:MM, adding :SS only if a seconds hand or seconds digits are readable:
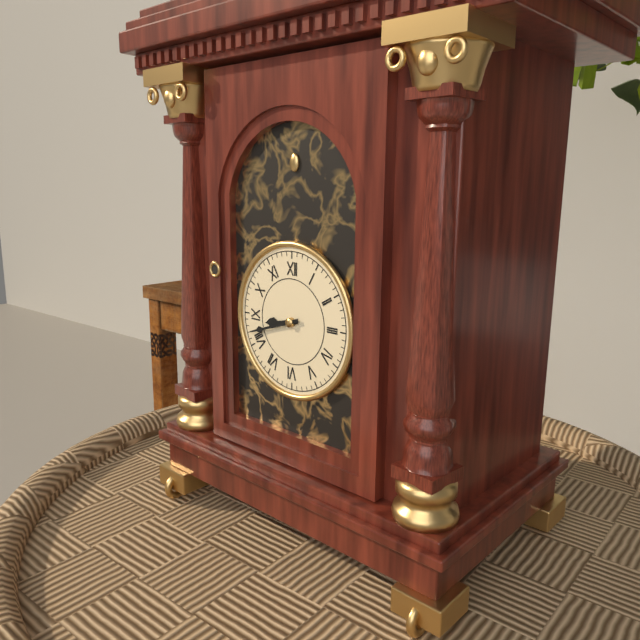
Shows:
8:42
